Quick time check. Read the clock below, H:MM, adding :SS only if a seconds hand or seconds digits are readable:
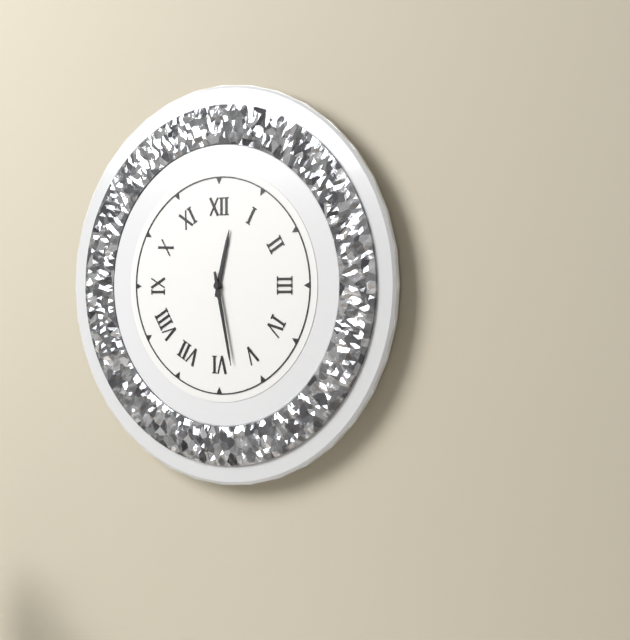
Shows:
12:28
